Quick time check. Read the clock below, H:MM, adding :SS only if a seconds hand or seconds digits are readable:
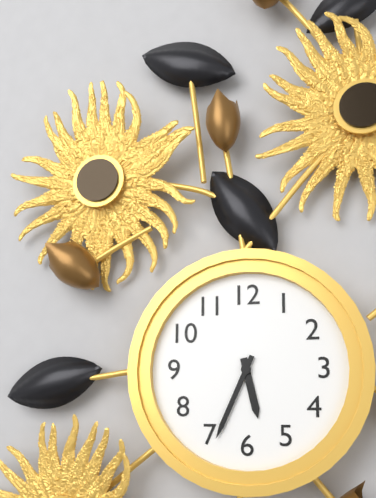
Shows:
5:34
